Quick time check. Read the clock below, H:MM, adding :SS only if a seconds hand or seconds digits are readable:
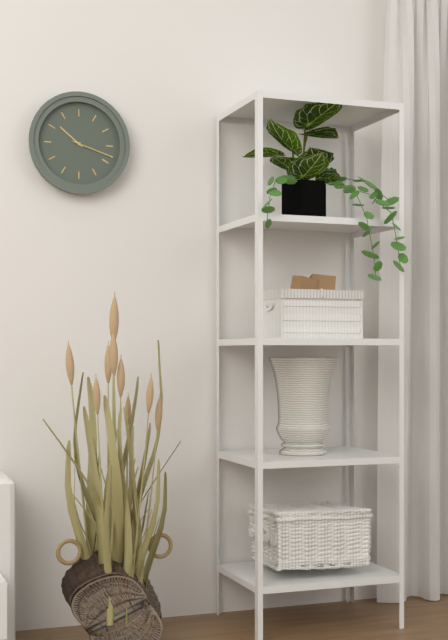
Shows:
10:18
